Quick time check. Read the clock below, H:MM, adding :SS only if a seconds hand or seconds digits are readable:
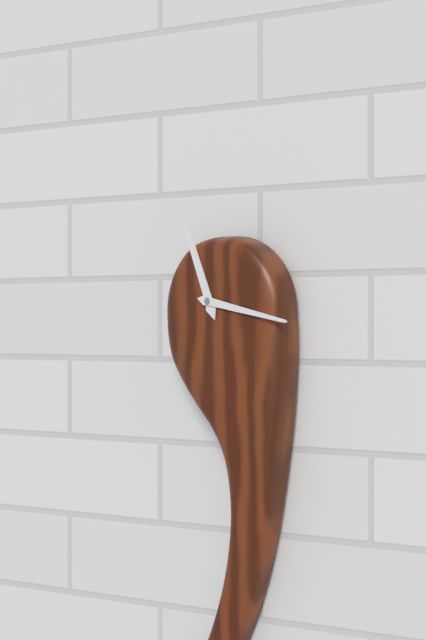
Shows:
11:17
